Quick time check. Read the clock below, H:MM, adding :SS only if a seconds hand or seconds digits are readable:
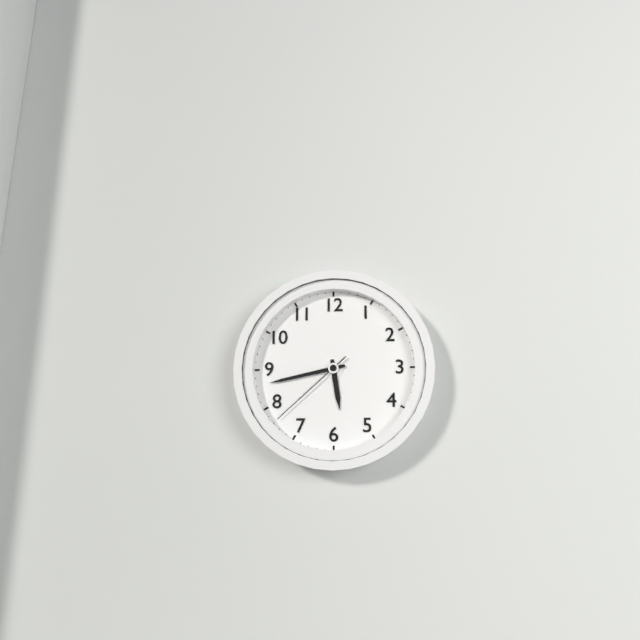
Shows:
5:43:38
